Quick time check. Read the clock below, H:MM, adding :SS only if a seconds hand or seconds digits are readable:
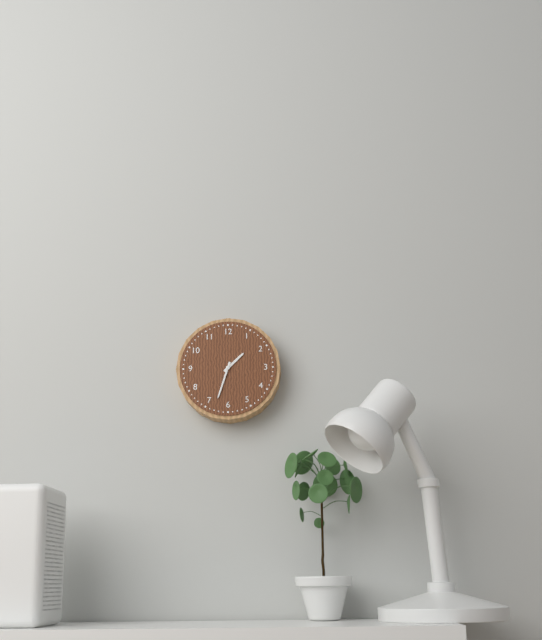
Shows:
1:33
